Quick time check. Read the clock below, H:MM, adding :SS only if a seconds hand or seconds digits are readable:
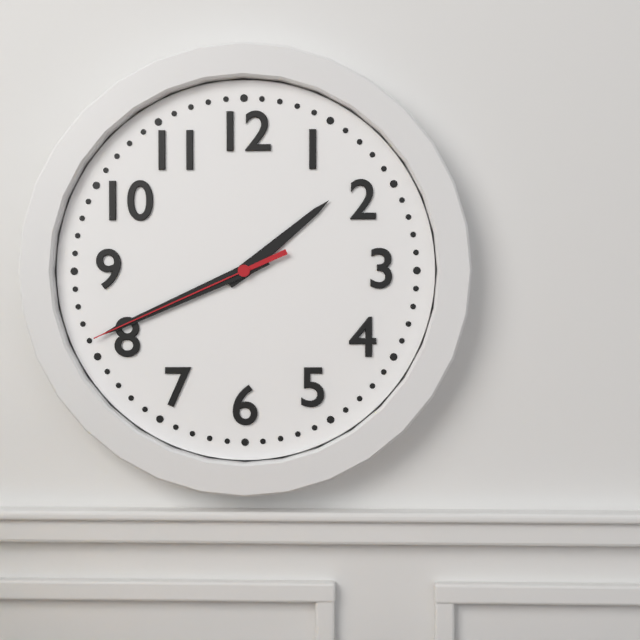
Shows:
1:41:41
